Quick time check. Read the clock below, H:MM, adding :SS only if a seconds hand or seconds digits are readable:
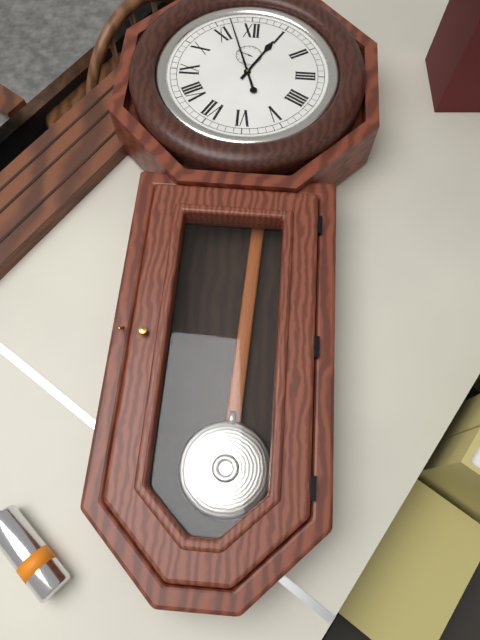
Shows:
12:57
